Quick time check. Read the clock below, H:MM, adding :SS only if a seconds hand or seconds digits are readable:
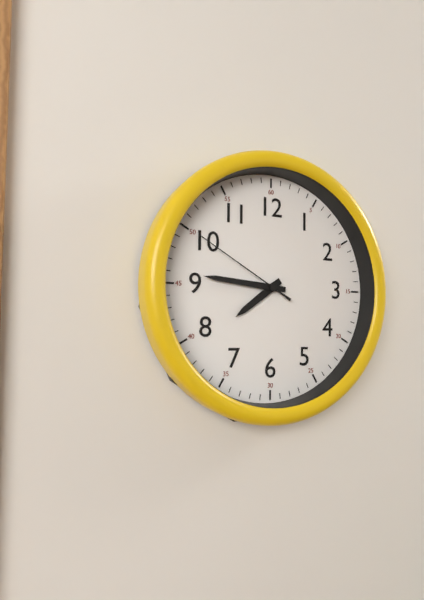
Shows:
7:46:50
